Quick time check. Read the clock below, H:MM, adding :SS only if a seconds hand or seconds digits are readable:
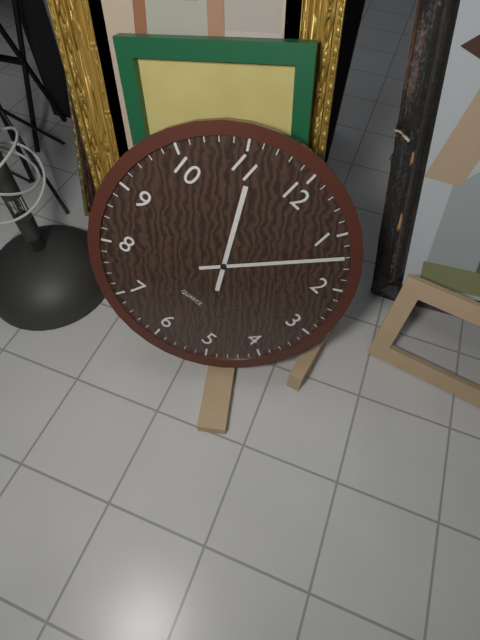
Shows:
11:07
